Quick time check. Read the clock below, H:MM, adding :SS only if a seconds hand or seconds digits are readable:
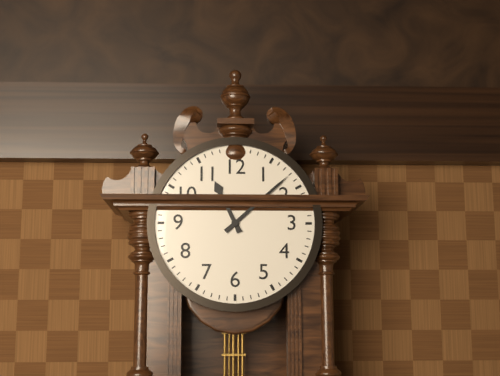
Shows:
11:08
